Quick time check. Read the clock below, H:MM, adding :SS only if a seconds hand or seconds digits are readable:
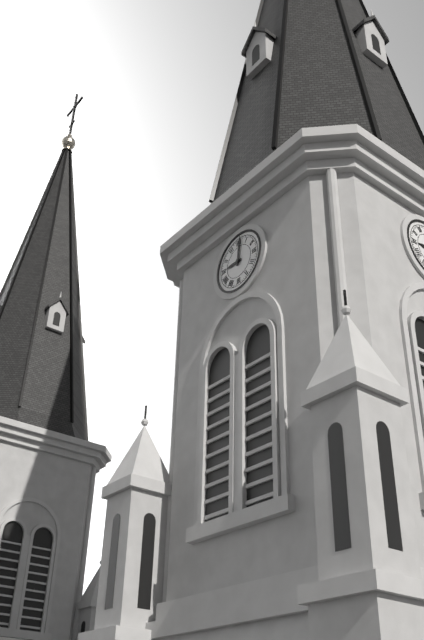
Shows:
9:01
